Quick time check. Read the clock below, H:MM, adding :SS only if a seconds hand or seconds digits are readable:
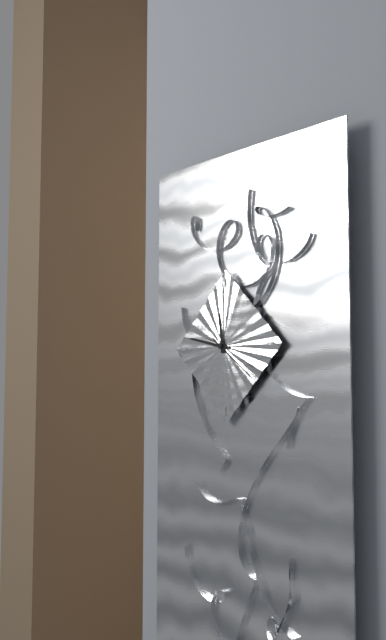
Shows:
11:47:21
